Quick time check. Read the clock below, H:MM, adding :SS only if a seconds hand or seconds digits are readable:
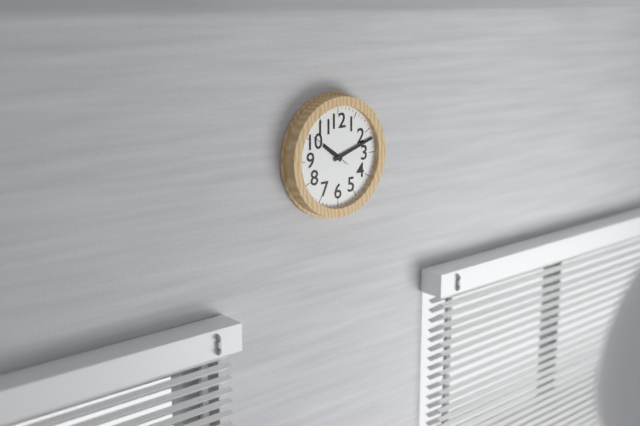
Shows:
10:12
